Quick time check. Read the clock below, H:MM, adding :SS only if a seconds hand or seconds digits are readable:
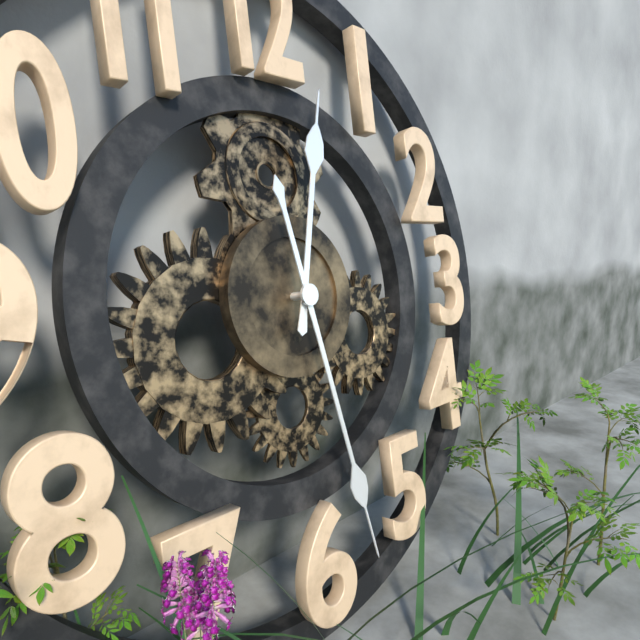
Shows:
12:28
